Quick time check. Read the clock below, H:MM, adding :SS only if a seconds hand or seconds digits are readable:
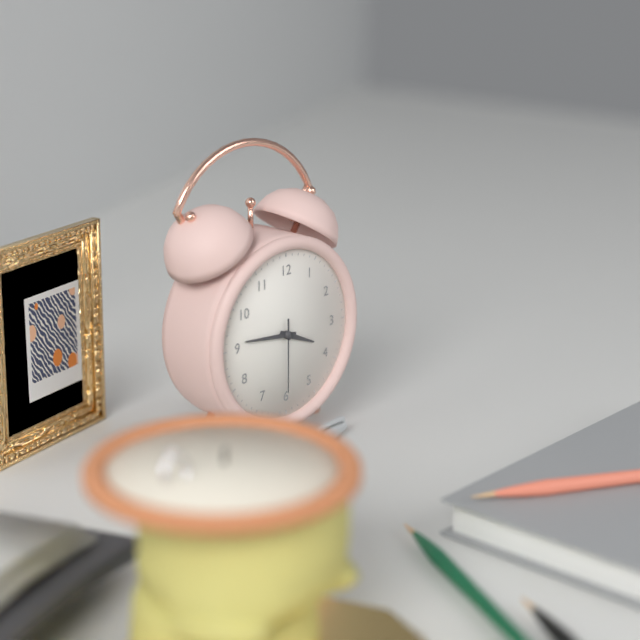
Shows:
3:46:30
